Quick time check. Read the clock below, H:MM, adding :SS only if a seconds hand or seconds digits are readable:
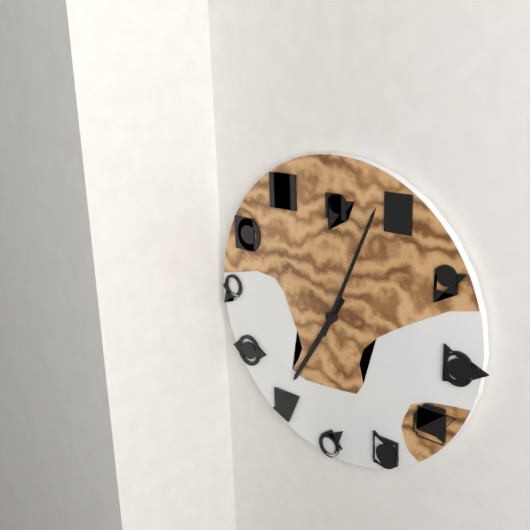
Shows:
7:04
